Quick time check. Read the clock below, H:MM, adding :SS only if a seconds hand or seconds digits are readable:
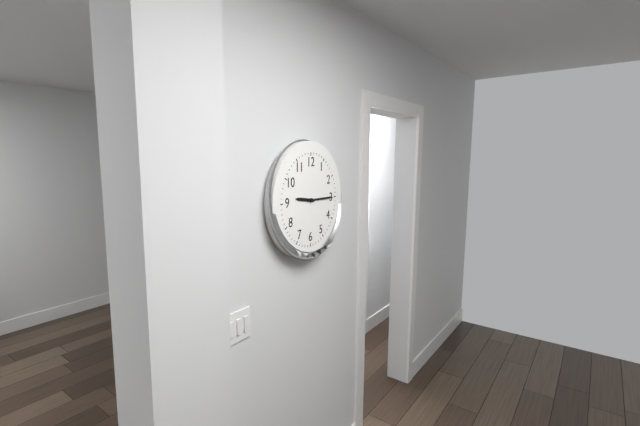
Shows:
9:15
